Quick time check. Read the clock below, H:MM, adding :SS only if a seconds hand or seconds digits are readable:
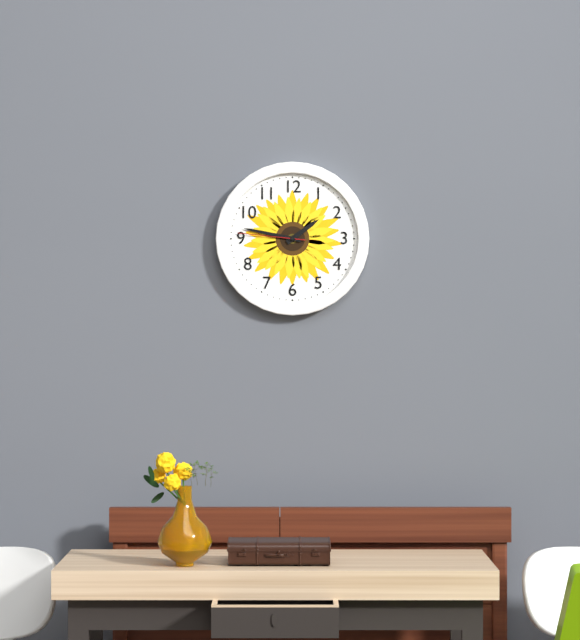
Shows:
1:47:46
